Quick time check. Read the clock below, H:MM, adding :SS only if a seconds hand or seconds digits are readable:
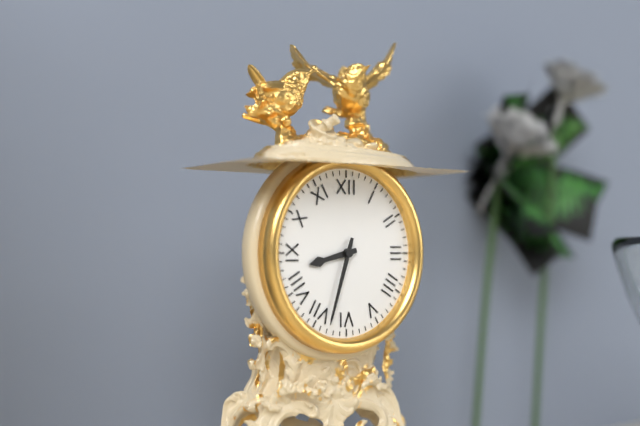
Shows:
8:33
